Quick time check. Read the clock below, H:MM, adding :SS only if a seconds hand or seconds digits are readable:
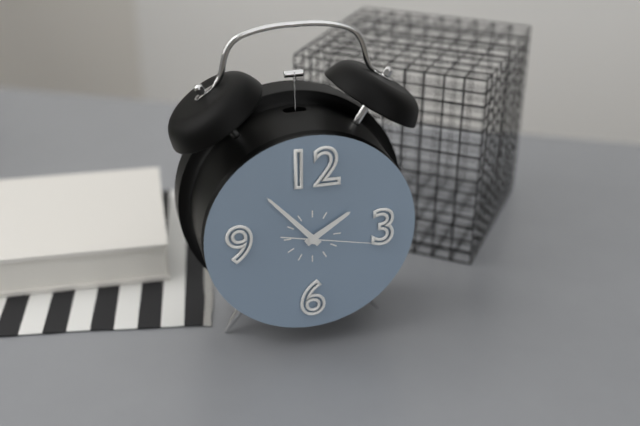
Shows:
1:53:17
